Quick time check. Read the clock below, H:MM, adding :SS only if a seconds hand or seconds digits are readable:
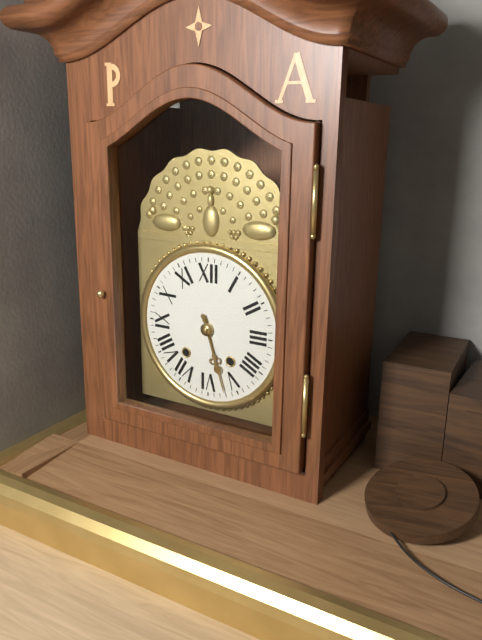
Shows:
5:27
